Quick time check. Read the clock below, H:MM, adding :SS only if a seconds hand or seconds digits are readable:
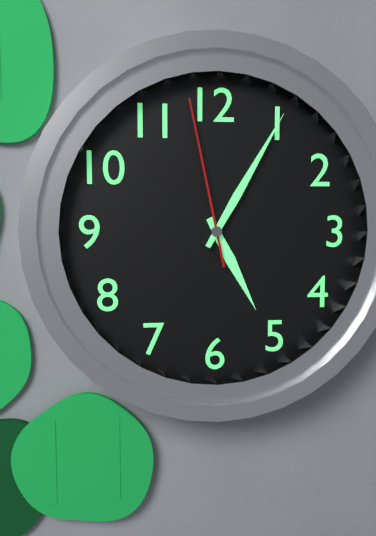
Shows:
5:05:58
